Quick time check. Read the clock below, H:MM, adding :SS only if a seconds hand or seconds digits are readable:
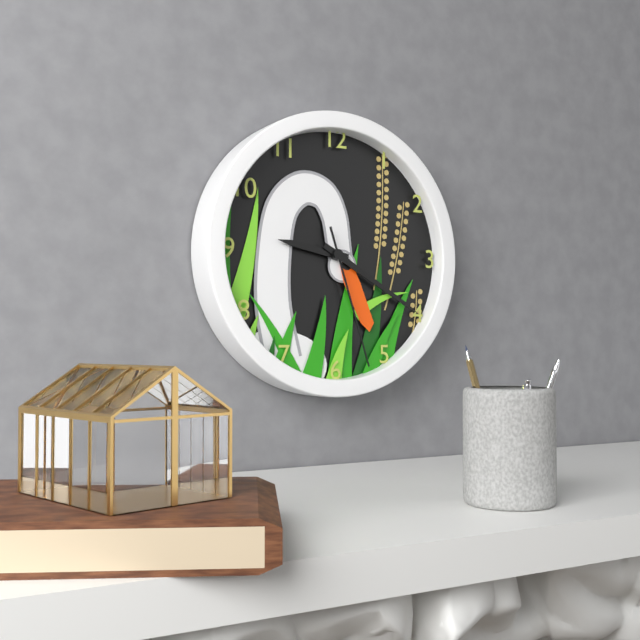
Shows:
9:20:27
